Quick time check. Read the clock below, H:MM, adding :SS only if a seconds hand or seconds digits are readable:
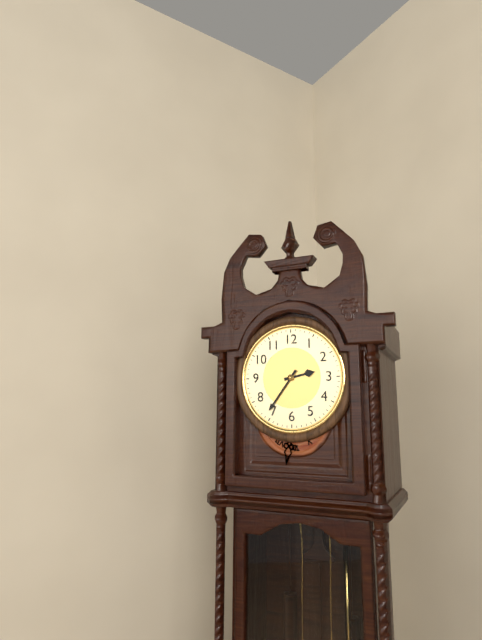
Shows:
2:36
